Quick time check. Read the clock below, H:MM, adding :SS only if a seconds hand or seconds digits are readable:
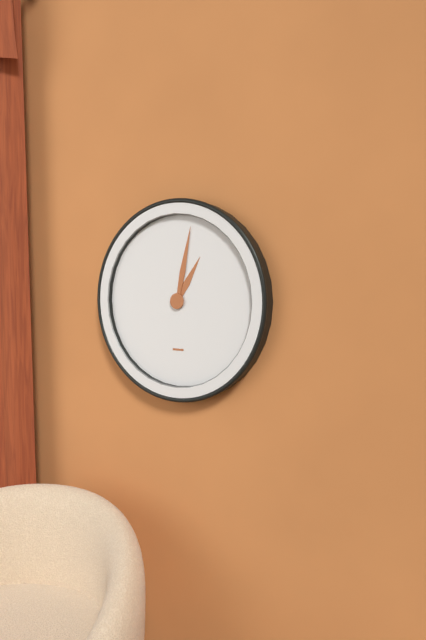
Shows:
1:02
